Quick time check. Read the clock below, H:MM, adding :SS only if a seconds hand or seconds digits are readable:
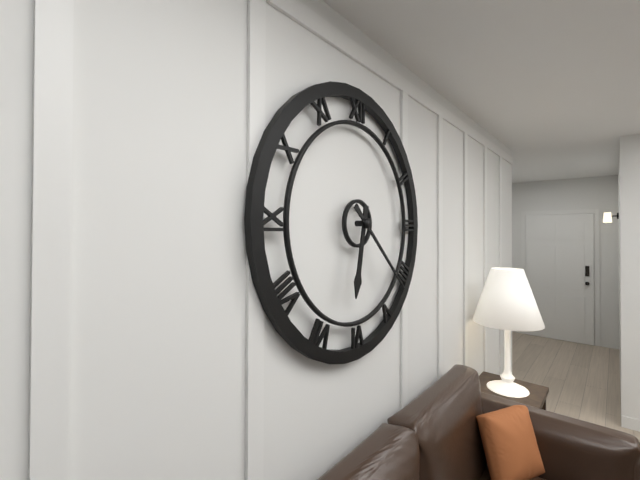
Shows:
6:22
